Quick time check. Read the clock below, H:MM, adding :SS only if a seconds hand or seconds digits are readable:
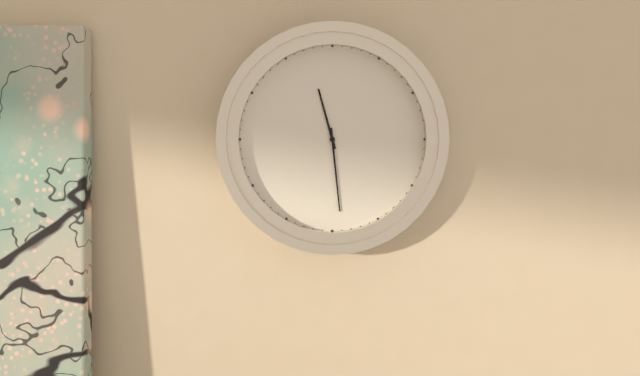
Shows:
11:29
